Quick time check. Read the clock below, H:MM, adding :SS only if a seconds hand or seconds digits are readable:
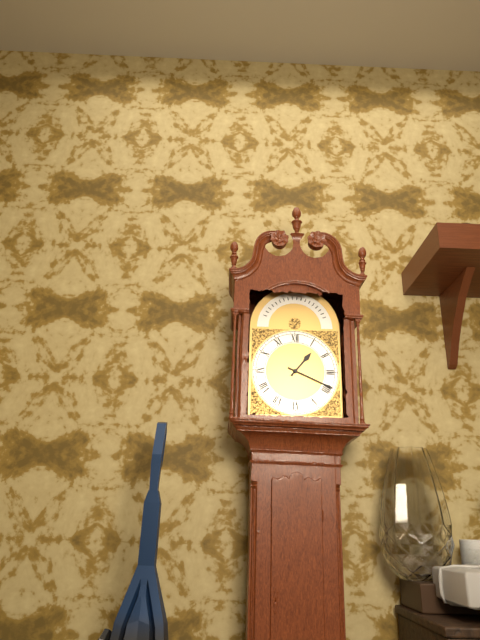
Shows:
1:19
